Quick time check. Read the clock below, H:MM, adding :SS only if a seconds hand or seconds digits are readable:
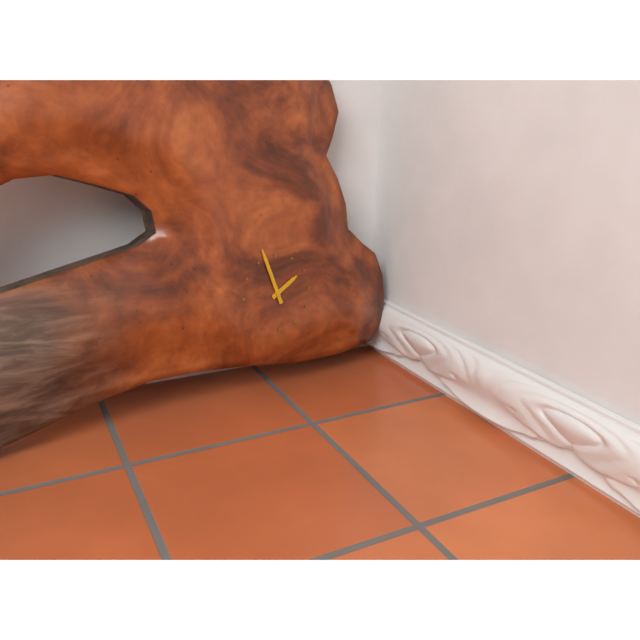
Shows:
1:57
